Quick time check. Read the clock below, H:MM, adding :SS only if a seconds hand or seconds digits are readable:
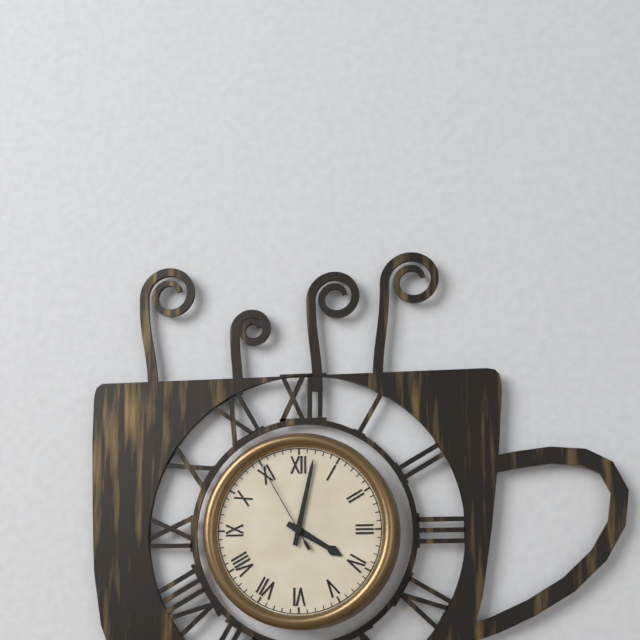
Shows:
4:02:55
